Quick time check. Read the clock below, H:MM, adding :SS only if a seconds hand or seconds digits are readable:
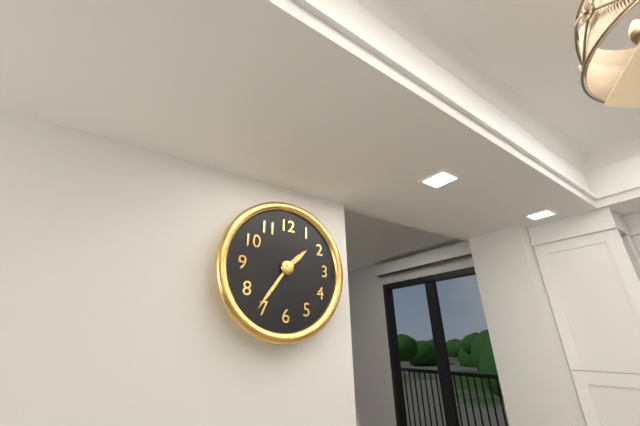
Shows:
1:36
